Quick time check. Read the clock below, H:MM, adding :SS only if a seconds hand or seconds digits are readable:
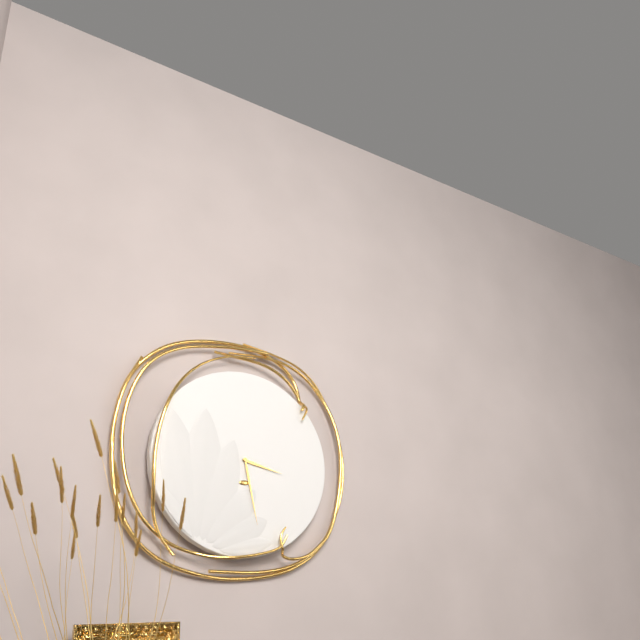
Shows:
3:28
